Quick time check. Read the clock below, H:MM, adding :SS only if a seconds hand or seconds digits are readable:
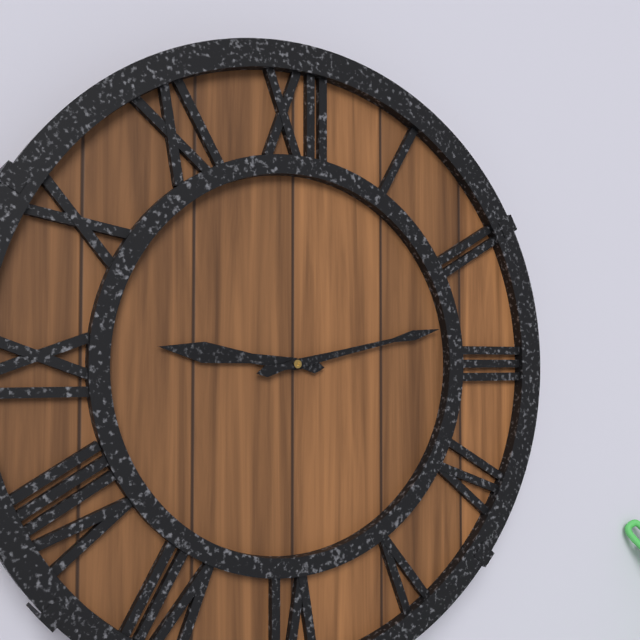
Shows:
9:13
